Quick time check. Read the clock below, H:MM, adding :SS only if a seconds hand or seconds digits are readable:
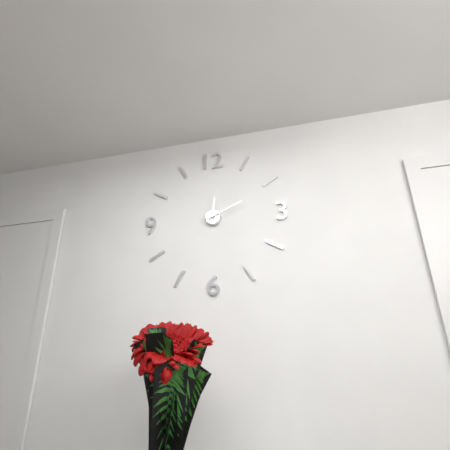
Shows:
12:11
